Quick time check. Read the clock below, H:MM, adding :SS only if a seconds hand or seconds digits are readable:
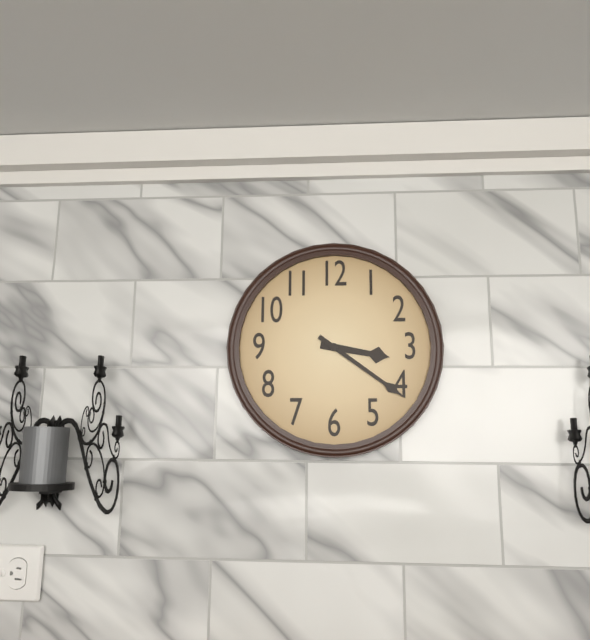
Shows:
3:21
